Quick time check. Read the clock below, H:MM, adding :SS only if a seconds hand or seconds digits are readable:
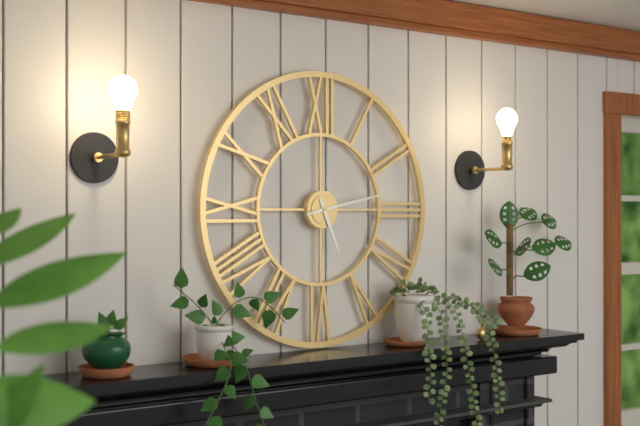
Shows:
5:13
